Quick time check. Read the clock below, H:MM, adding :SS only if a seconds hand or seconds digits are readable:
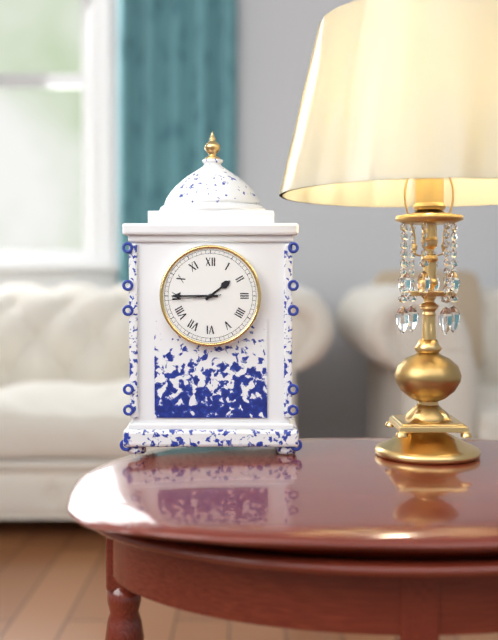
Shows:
1:45:44
